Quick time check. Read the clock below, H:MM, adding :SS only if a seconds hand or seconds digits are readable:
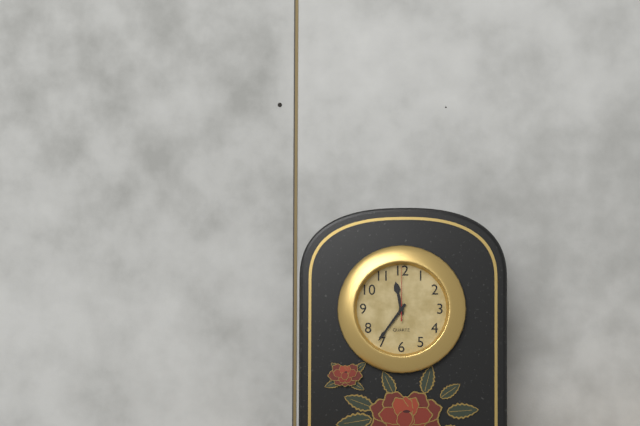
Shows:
11:36:00
